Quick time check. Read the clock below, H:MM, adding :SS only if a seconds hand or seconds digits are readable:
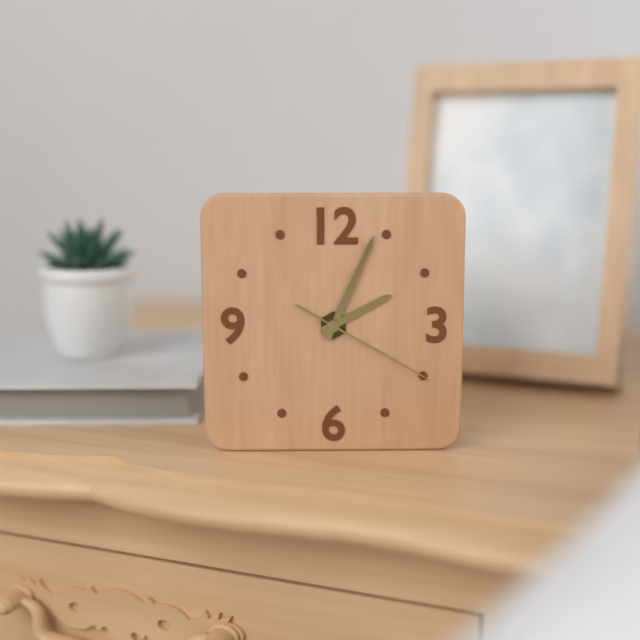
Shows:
2:04:20
